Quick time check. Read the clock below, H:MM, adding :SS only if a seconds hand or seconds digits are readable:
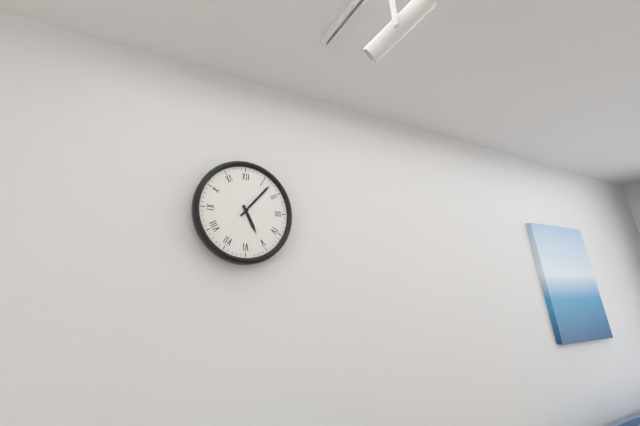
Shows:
5:07
